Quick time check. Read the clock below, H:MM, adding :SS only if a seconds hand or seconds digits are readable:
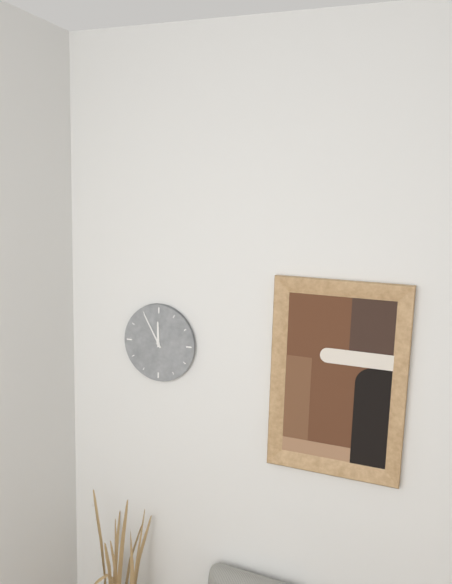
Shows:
11:55
